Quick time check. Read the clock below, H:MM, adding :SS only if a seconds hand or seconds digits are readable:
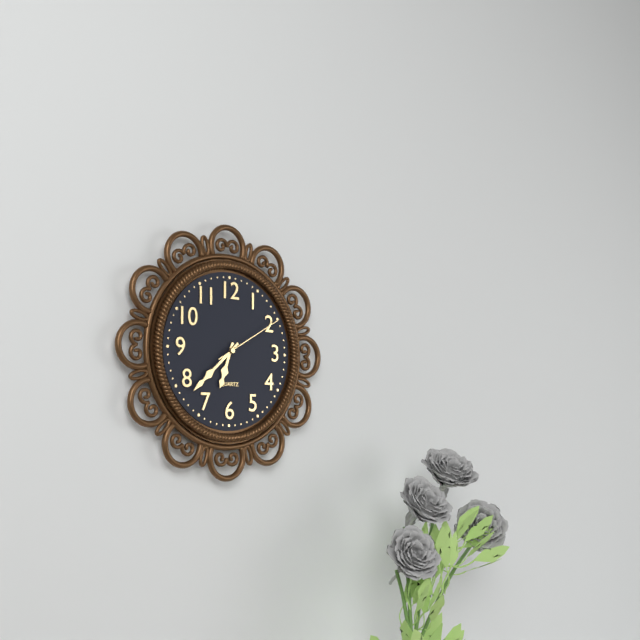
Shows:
6:38:10
